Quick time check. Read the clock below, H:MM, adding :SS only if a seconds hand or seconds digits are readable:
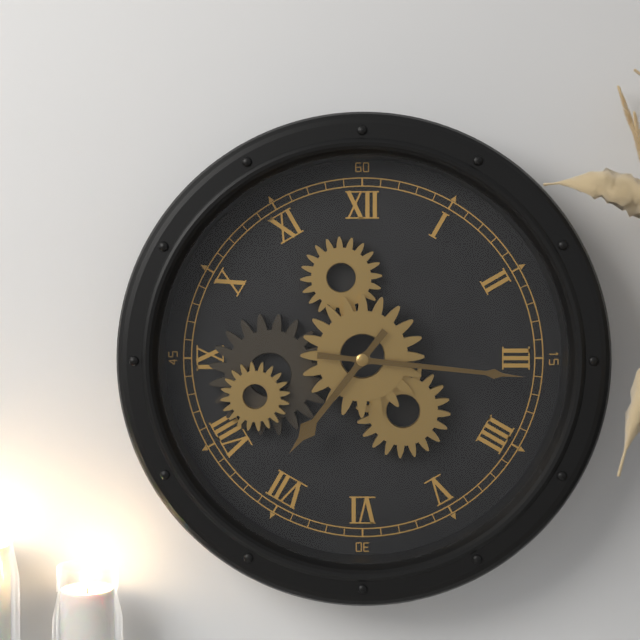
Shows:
7:16
